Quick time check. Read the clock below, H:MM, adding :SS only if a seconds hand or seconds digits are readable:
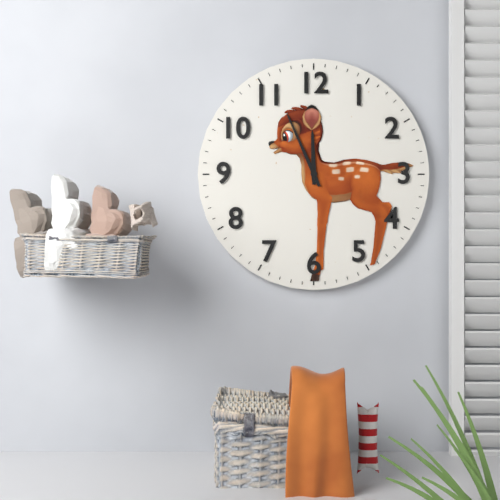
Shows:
11:56
